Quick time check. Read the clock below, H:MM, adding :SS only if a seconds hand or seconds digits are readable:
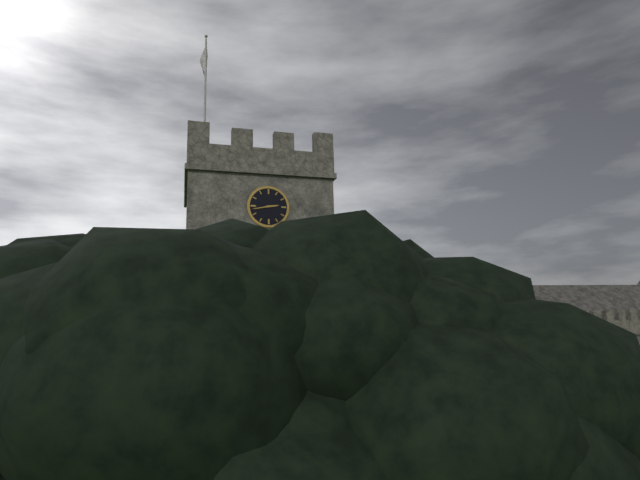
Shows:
2:43
